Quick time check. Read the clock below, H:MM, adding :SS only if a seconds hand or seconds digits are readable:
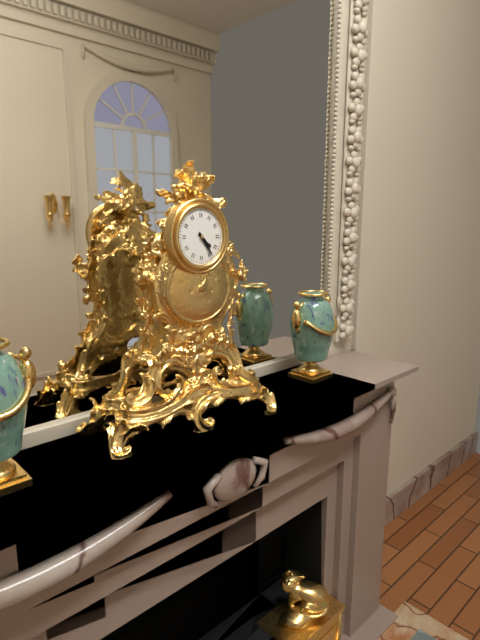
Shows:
4:24
